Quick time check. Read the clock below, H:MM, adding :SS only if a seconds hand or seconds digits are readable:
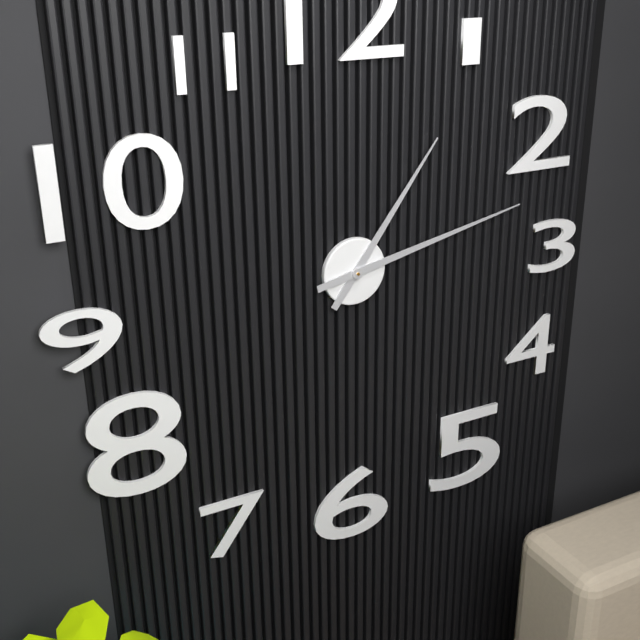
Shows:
1:13
